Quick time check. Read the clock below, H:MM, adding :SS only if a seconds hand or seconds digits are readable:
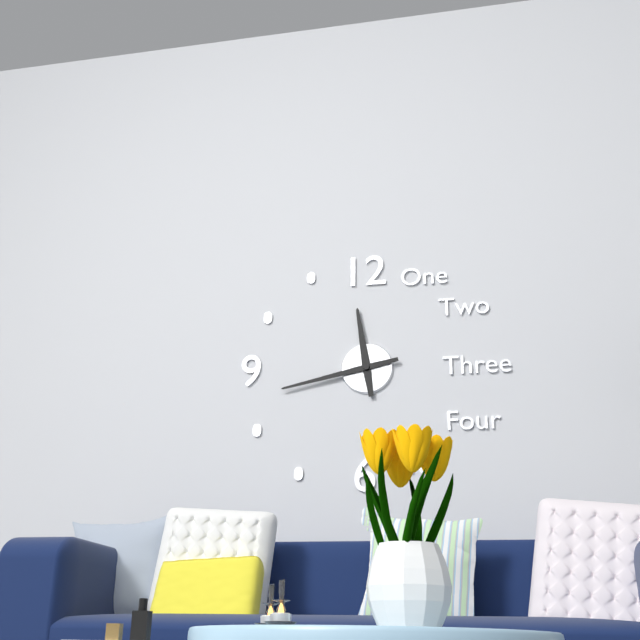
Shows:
11:43
